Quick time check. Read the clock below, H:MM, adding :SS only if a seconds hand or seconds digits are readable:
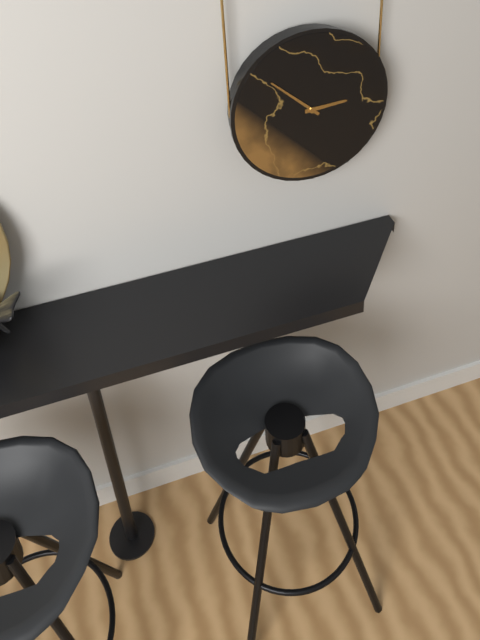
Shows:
2:52
